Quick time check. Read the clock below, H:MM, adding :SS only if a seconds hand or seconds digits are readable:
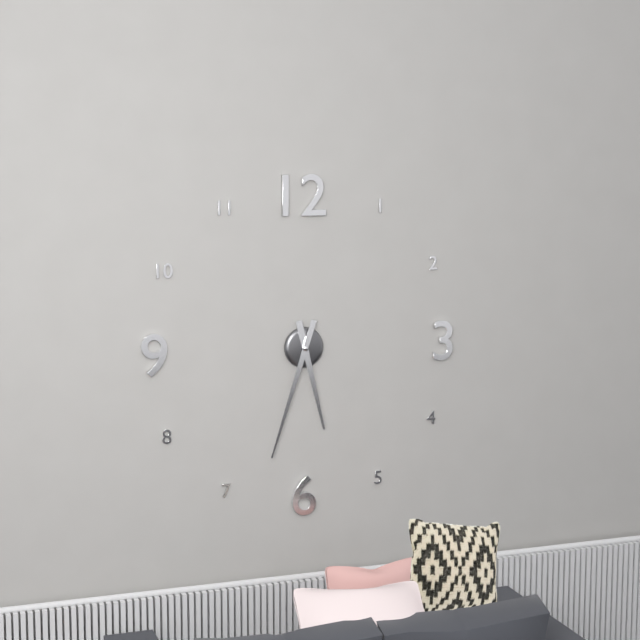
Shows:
5:33
